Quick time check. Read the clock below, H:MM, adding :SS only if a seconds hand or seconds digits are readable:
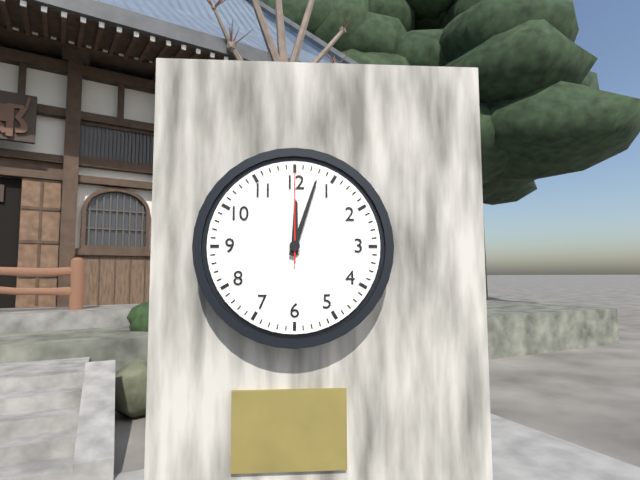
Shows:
12:03:00
